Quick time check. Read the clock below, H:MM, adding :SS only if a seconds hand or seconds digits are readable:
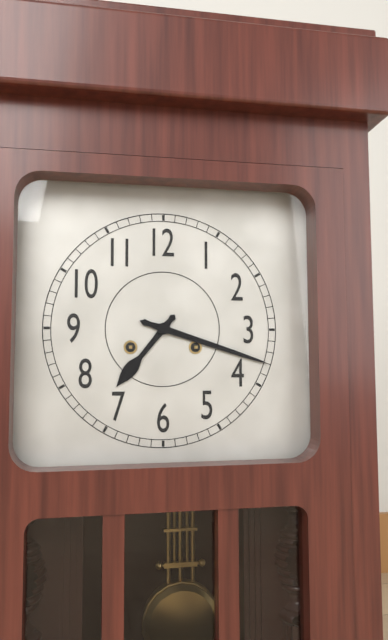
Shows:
7:18
